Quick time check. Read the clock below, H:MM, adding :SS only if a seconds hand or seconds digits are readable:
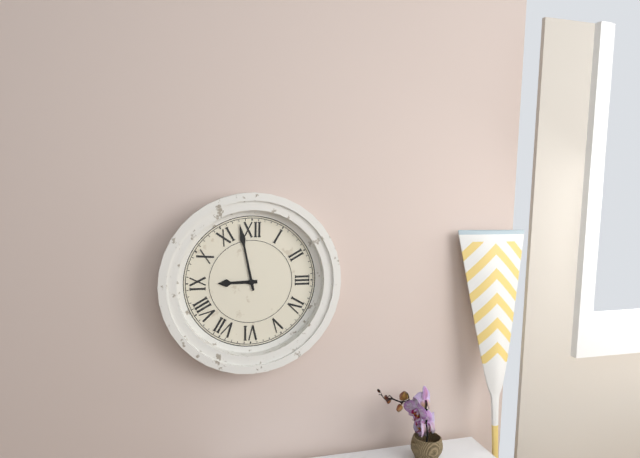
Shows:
8:58
